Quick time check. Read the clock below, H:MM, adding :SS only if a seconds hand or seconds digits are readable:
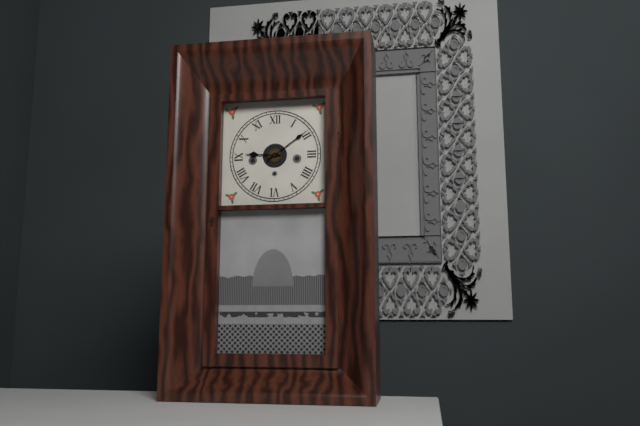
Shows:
9:09
